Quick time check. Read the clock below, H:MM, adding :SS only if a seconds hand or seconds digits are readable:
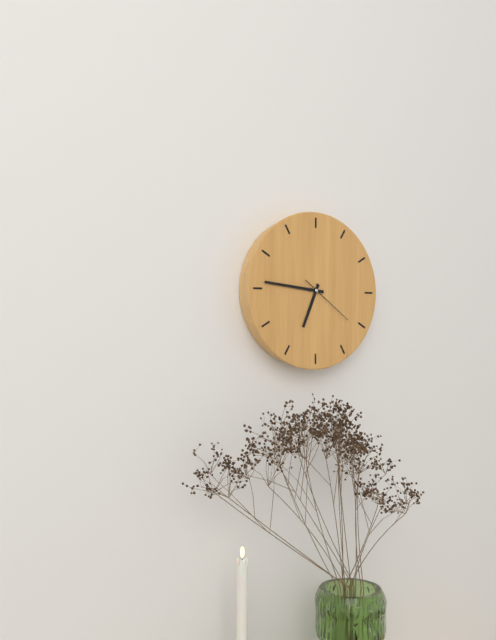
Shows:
6:46:21
